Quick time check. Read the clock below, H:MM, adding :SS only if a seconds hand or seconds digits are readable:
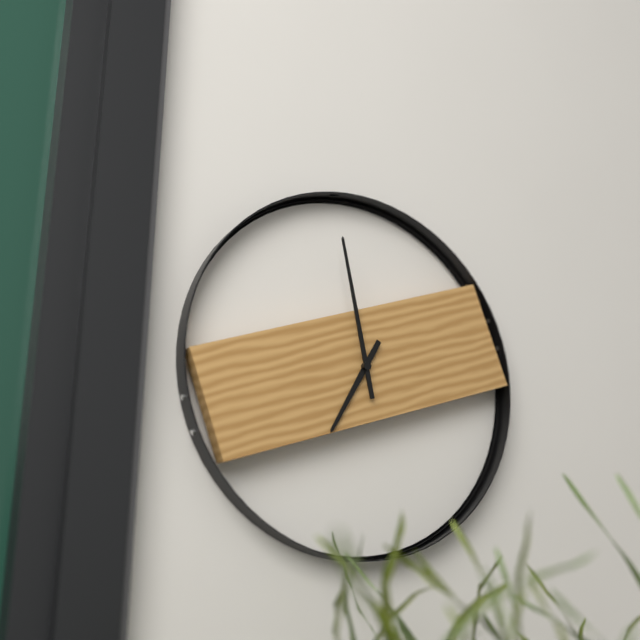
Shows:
6:58
